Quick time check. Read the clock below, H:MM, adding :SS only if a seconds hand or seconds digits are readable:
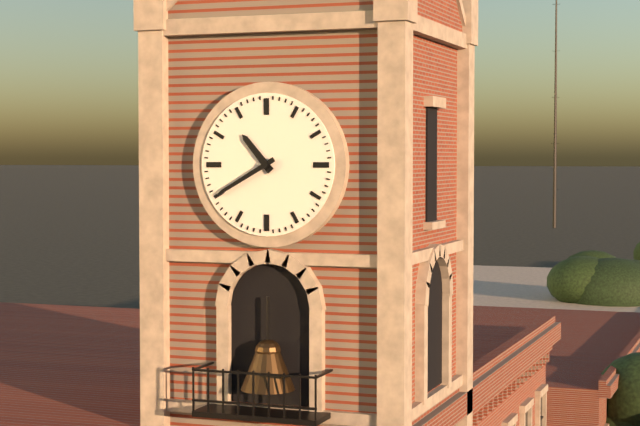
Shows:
10:40
